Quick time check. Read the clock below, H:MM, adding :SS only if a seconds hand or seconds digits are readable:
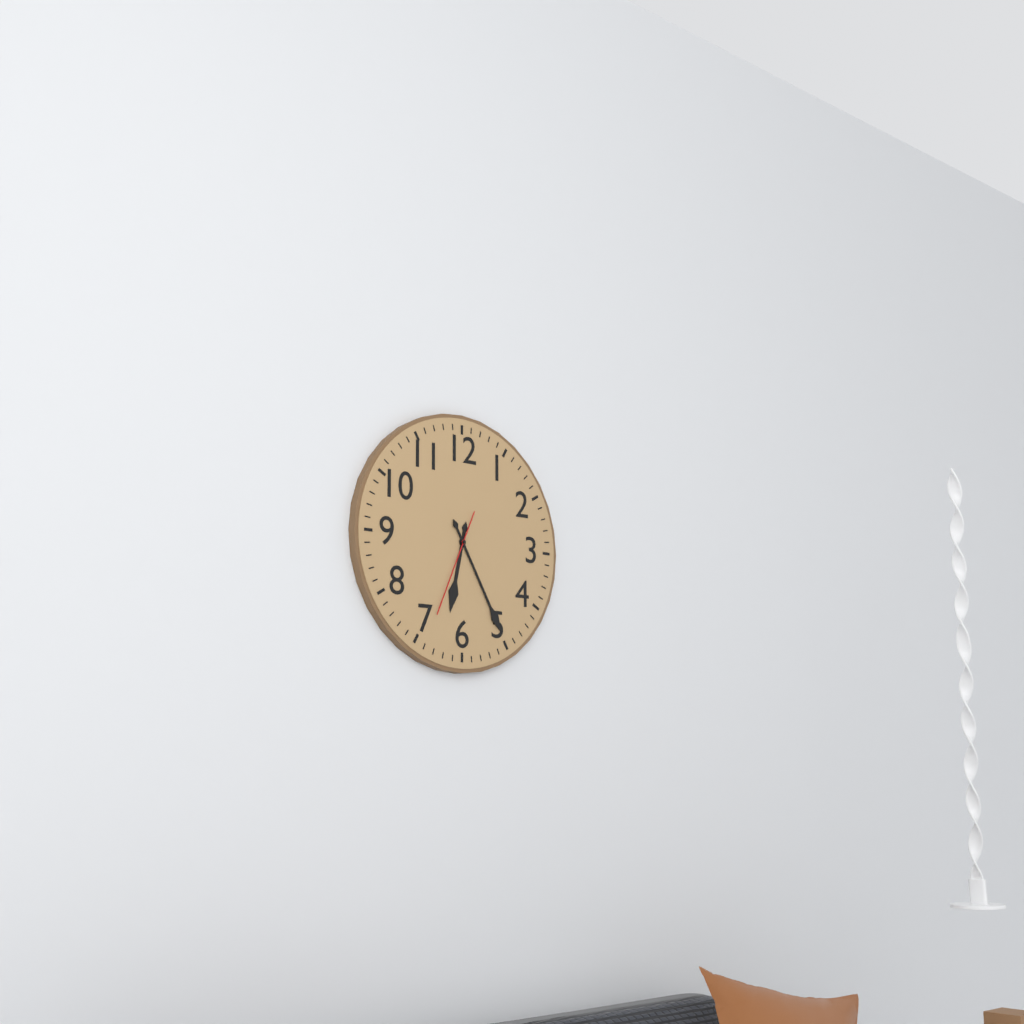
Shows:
6:25:34
